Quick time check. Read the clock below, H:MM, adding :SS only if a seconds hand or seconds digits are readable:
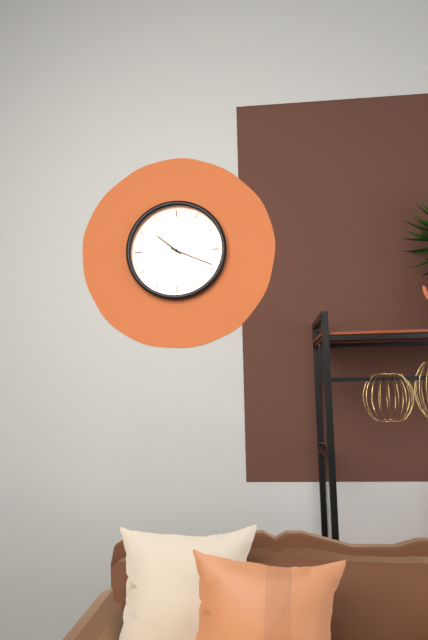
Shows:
10:19
